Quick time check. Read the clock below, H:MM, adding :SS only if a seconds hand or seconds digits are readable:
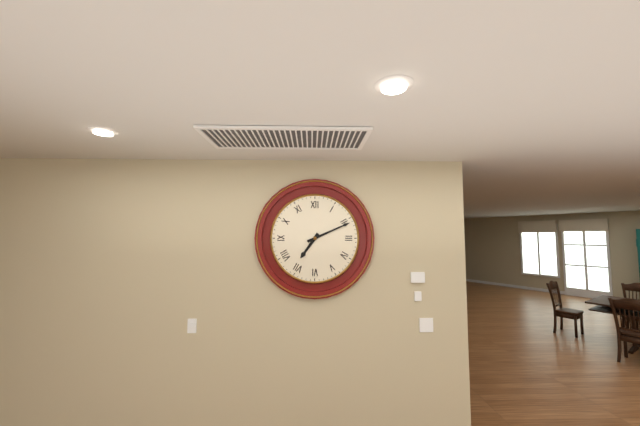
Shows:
7:11
